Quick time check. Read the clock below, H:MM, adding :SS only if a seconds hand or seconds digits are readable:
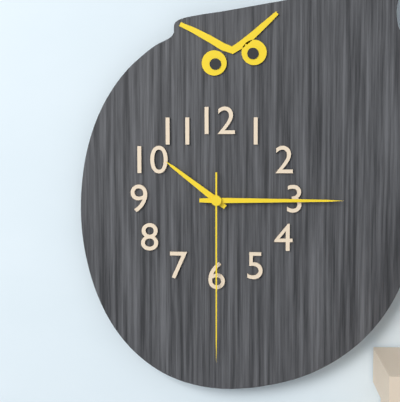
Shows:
10:15:30
